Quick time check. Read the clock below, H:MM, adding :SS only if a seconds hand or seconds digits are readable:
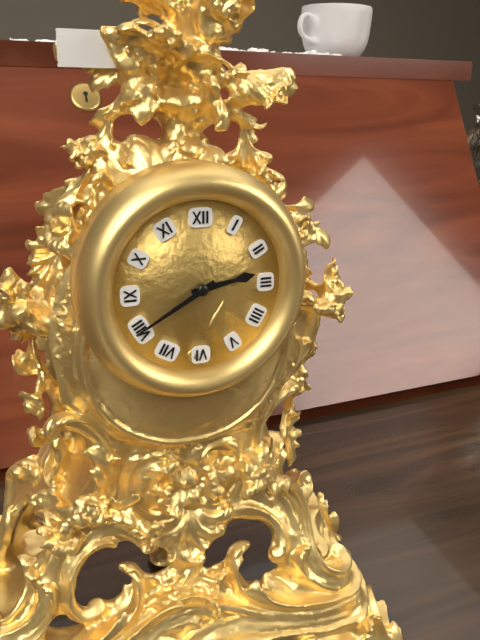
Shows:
2:40
